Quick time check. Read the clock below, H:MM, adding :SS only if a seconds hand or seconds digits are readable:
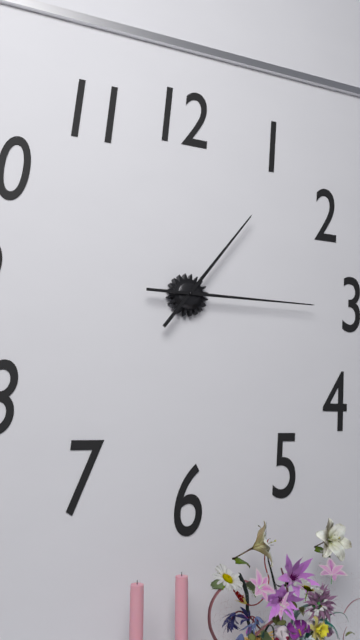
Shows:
1:15
